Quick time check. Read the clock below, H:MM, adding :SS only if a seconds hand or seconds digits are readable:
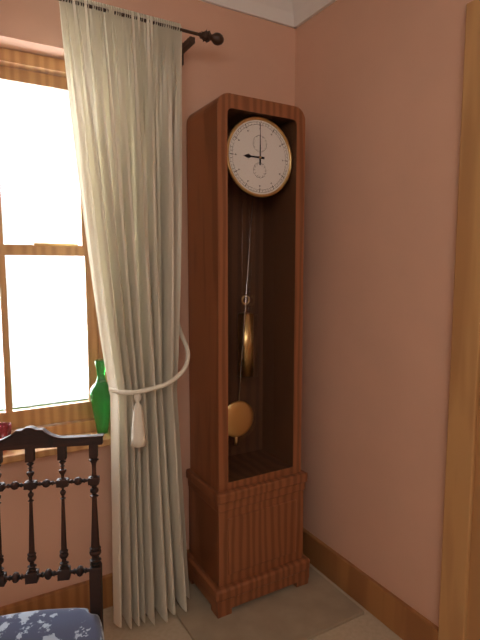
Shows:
9:00
